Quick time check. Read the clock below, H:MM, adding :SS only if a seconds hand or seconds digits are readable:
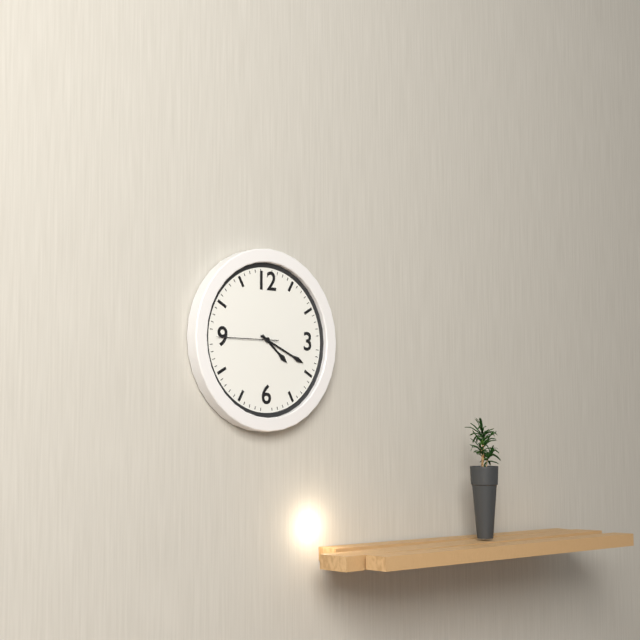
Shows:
4:19:45
